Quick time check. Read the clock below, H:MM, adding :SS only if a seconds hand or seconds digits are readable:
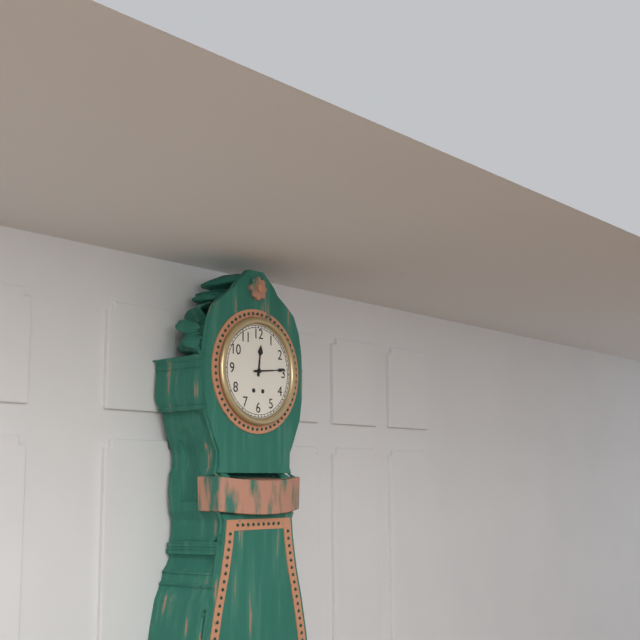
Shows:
12:14
